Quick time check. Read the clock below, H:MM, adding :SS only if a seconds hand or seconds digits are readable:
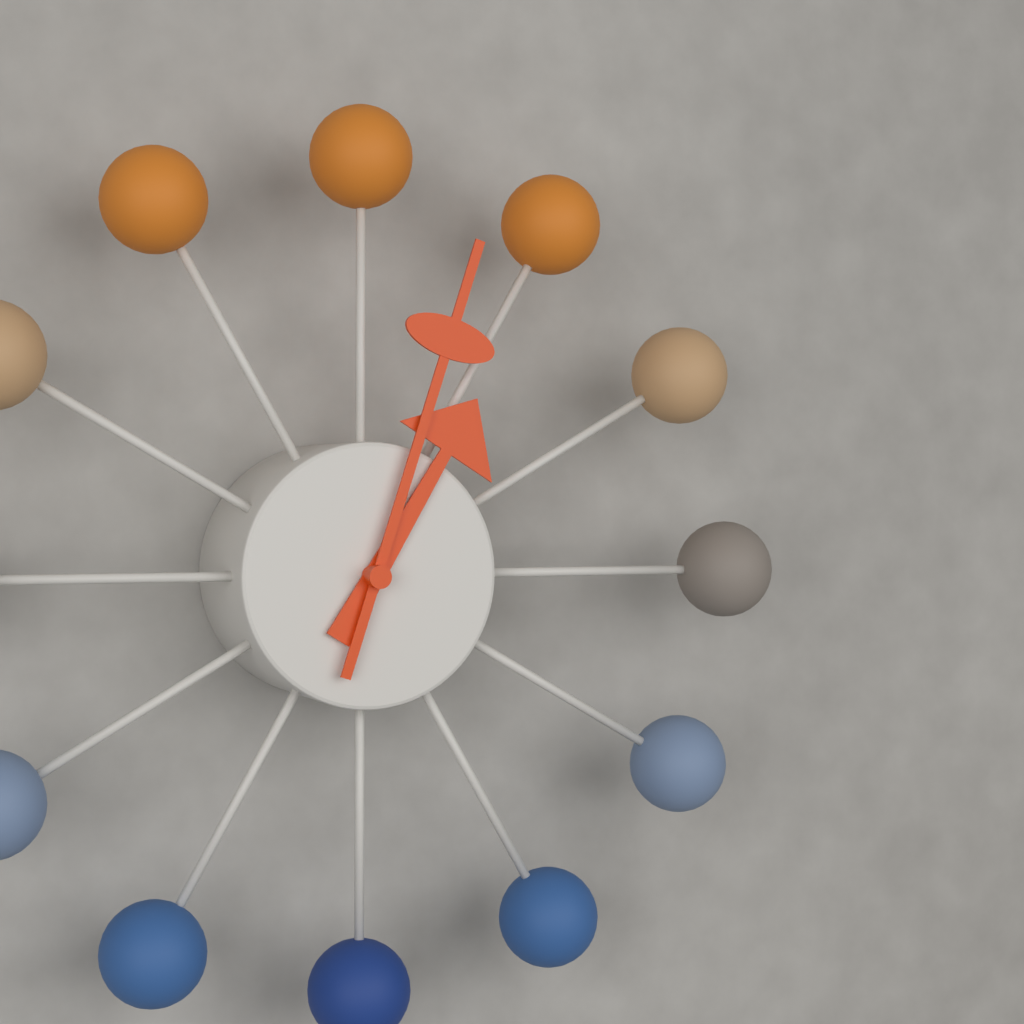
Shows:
1:03
